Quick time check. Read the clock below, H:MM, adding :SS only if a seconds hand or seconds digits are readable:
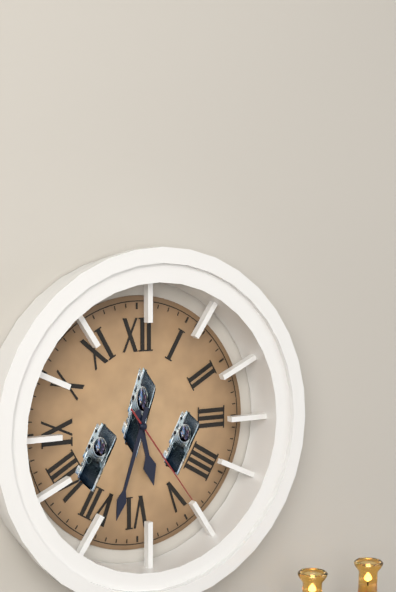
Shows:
5:33:24
